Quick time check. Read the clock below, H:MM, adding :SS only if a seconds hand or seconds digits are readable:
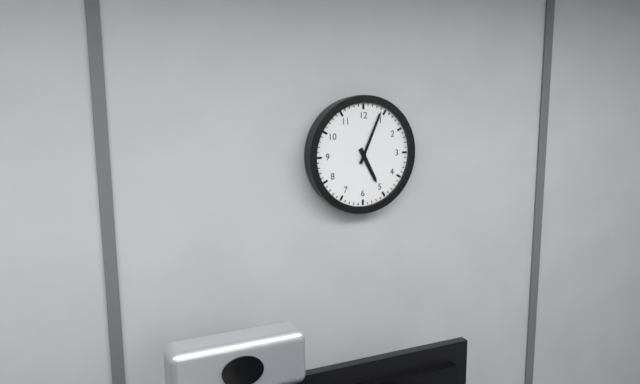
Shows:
5:04
